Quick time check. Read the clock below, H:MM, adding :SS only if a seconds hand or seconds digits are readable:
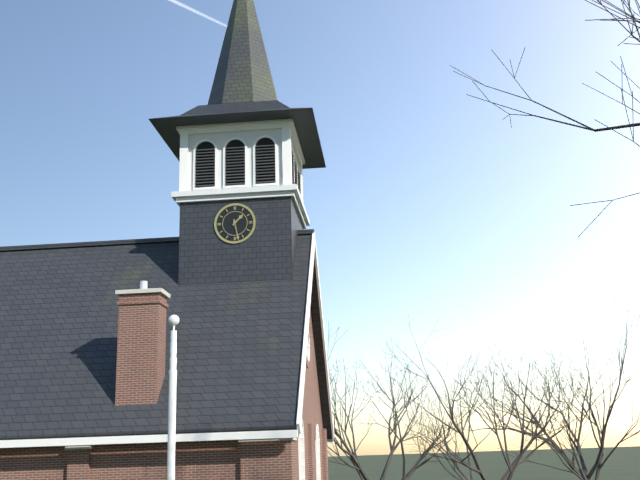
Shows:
1:28
